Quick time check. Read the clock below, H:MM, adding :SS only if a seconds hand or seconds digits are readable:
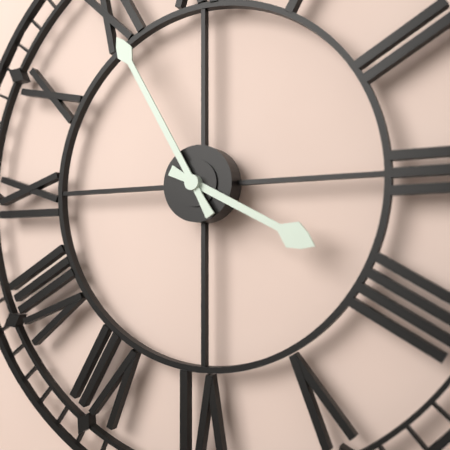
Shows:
3:55
